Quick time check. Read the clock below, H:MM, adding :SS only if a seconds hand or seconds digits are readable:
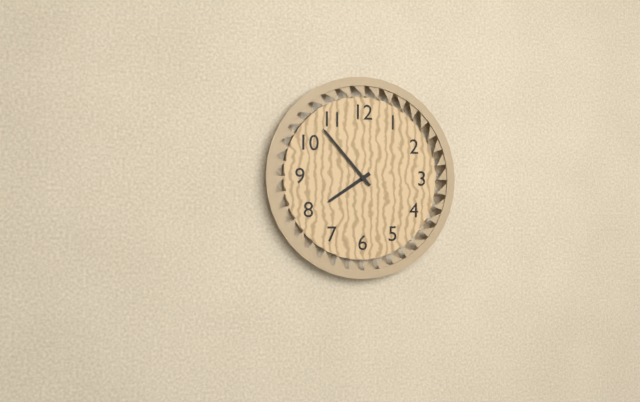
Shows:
7:53
